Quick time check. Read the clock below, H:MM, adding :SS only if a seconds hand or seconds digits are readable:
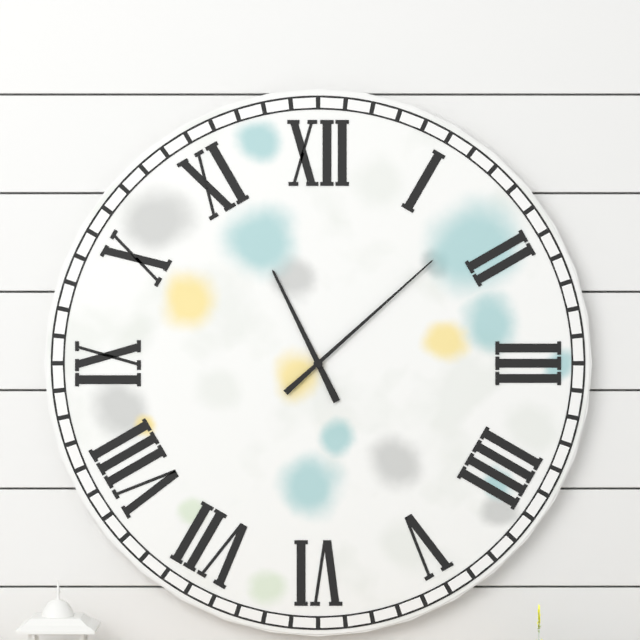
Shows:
11:08
